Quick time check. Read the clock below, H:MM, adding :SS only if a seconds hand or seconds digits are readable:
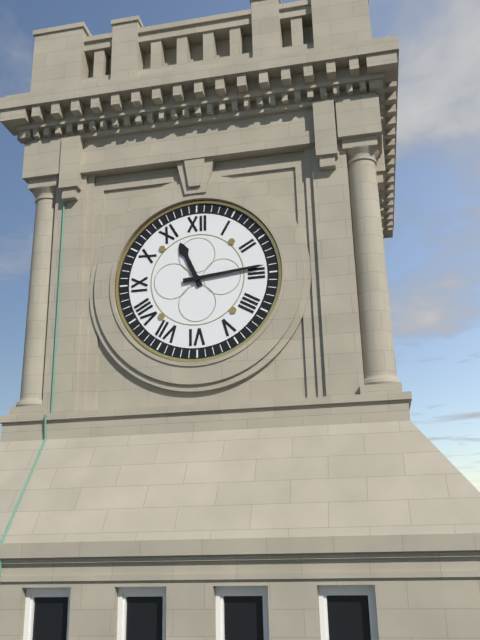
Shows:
11:14
